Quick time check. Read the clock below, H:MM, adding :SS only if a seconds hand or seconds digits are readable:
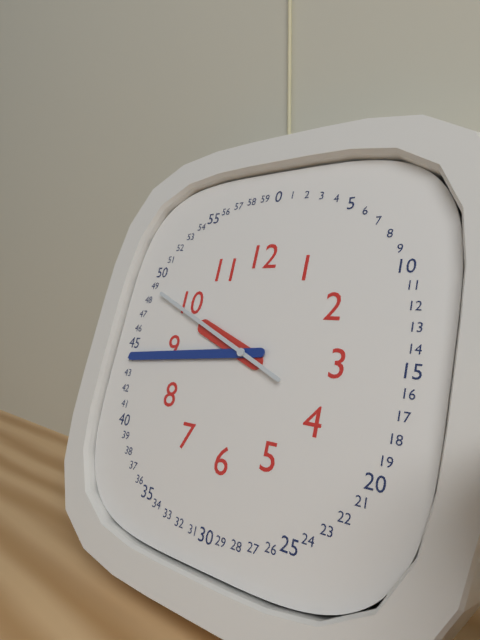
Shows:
9:44:49
